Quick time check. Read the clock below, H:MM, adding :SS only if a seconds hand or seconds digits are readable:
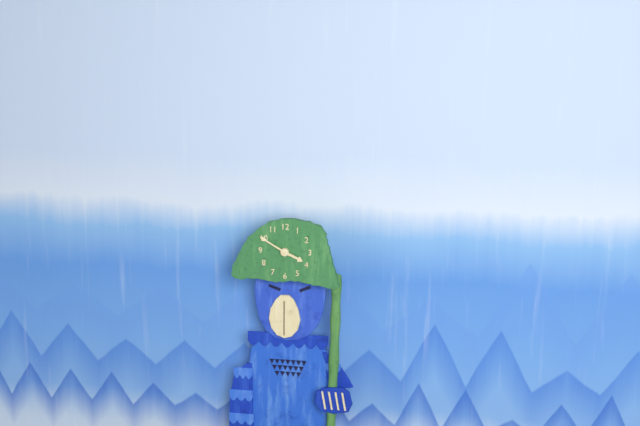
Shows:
3:50
